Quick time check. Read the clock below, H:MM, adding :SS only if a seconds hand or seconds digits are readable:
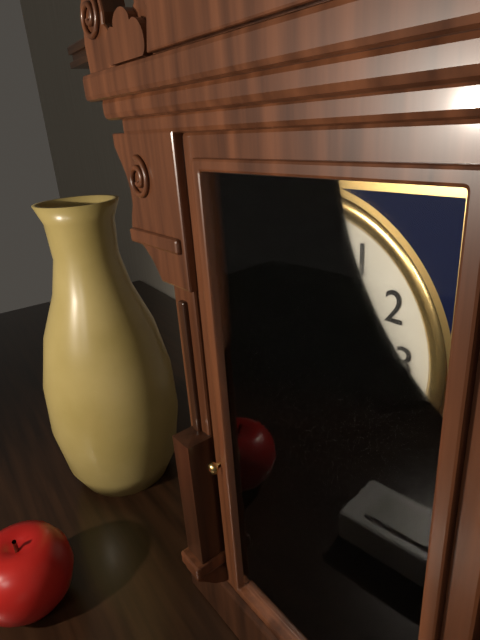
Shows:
10:47
